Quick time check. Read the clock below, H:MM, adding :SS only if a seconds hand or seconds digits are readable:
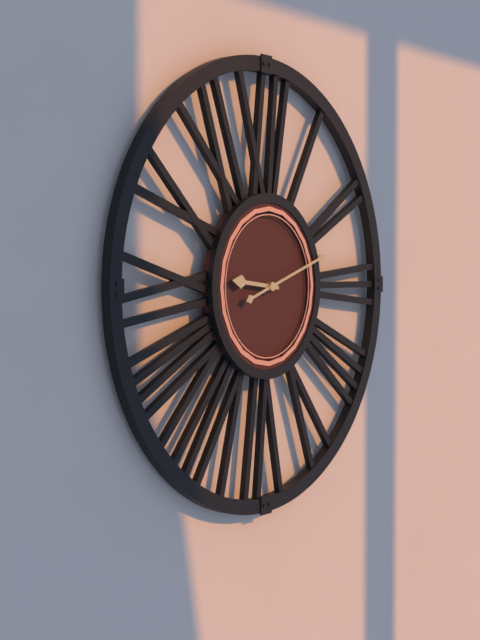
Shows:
9:12
